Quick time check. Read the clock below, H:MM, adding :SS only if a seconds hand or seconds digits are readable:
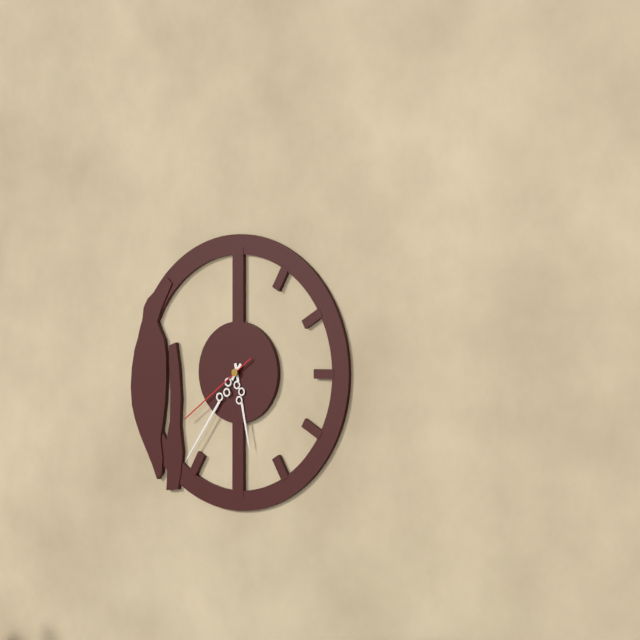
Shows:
5:36:39
